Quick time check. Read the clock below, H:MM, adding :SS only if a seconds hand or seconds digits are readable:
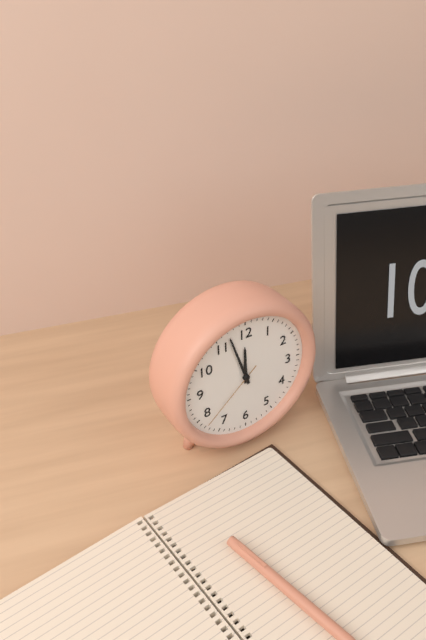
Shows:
11:57:38
